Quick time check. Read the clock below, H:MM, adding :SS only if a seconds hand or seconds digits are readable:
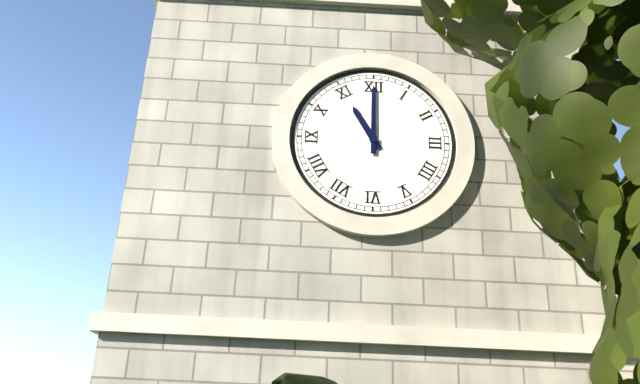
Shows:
11:00
